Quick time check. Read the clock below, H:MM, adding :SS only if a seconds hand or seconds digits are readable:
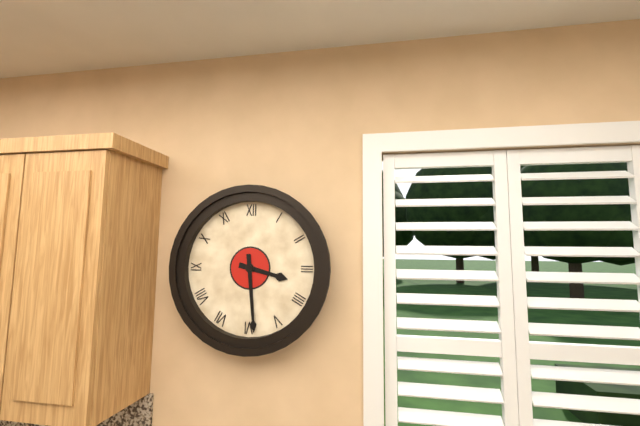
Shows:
3:29
